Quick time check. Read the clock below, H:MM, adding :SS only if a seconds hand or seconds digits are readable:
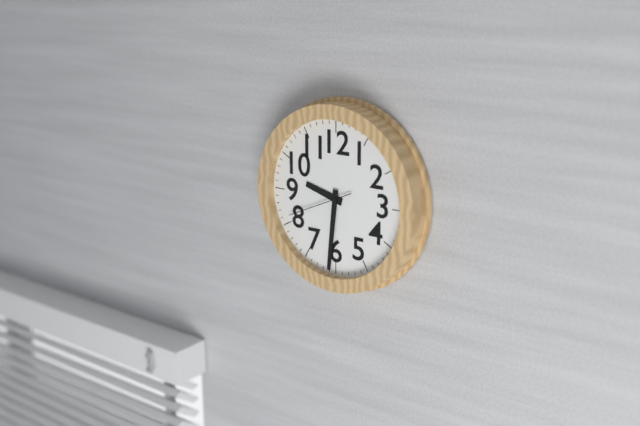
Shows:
9:31:41
